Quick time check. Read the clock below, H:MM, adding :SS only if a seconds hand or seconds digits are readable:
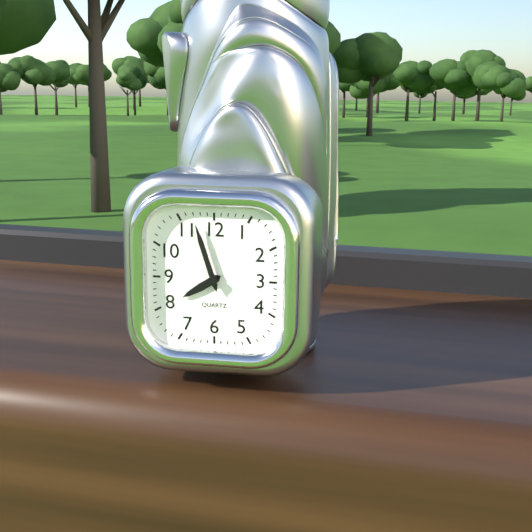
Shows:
7:57
